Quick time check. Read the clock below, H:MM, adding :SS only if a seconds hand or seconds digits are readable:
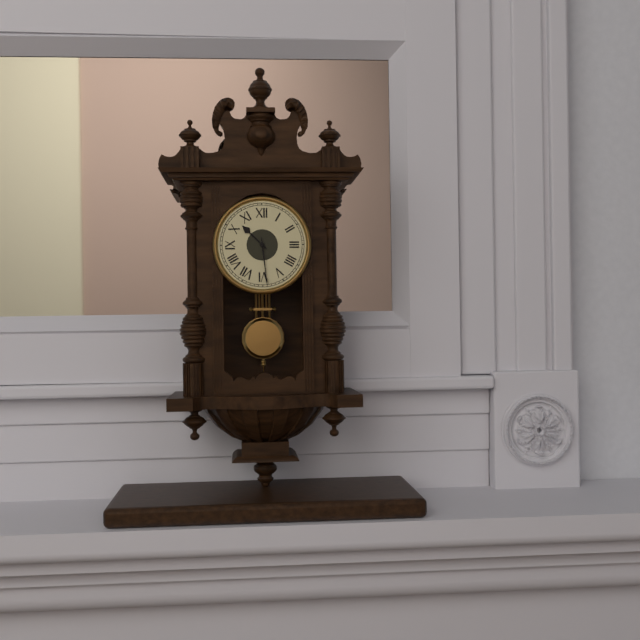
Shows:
10:29
